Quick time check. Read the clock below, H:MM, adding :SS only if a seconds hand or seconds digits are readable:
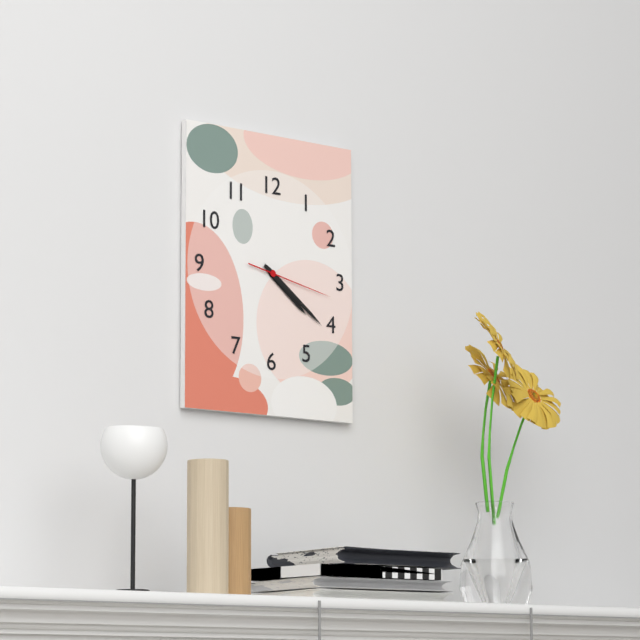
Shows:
4:21:17
